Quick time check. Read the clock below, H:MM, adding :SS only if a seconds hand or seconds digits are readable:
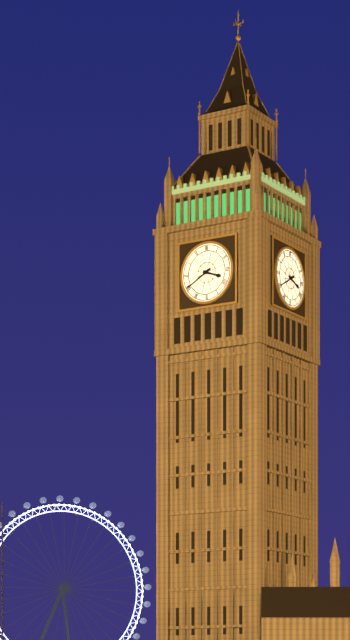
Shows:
3:40
